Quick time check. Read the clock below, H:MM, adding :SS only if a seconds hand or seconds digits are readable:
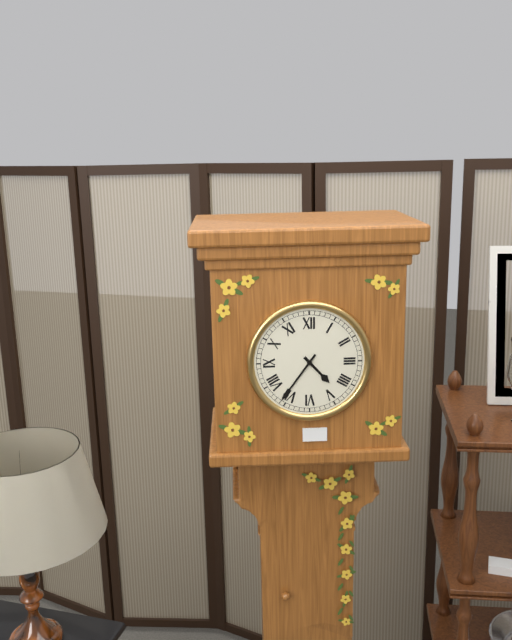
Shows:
4:36
